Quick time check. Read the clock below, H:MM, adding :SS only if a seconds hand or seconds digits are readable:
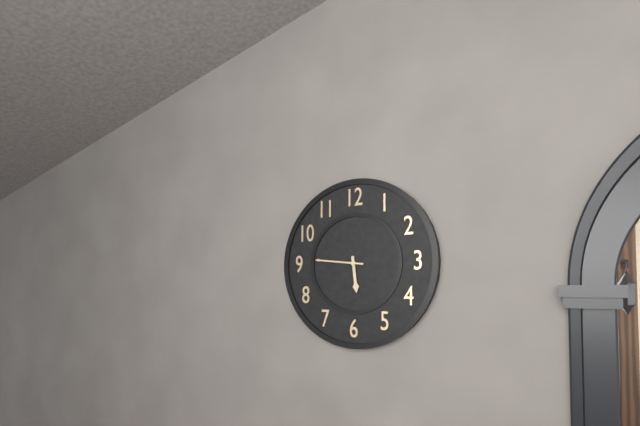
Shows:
5:46
